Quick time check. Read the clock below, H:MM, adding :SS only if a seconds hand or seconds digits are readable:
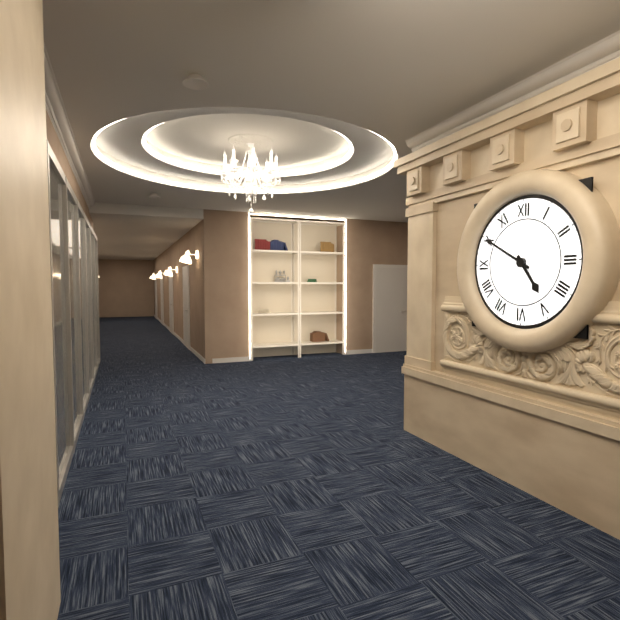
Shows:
4:50
